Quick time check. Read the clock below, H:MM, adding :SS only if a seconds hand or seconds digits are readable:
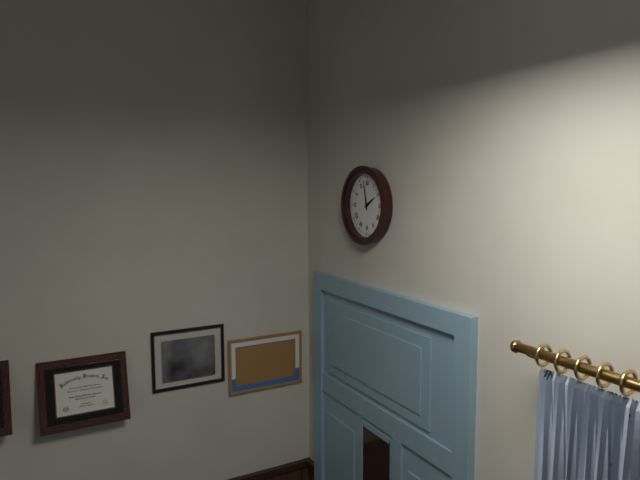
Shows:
1:58
